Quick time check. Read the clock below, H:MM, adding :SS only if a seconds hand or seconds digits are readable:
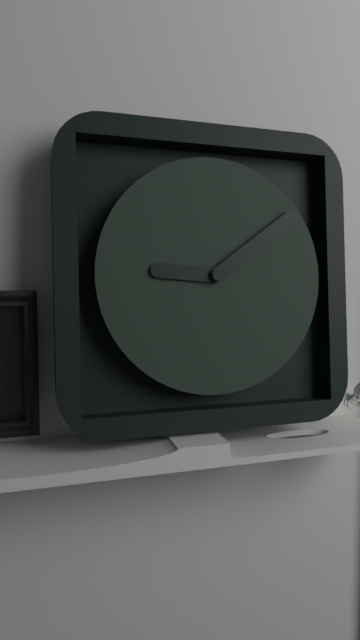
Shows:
9:09
